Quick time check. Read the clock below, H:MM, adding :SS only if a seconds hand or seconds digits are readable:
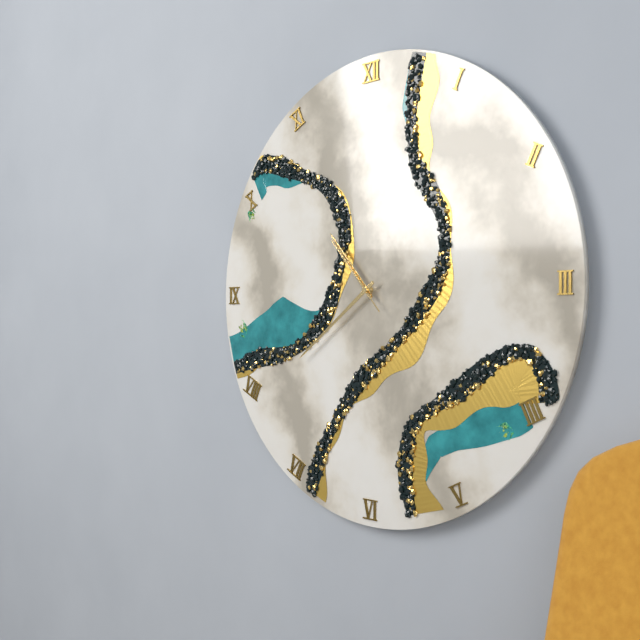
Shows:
10:39:53
